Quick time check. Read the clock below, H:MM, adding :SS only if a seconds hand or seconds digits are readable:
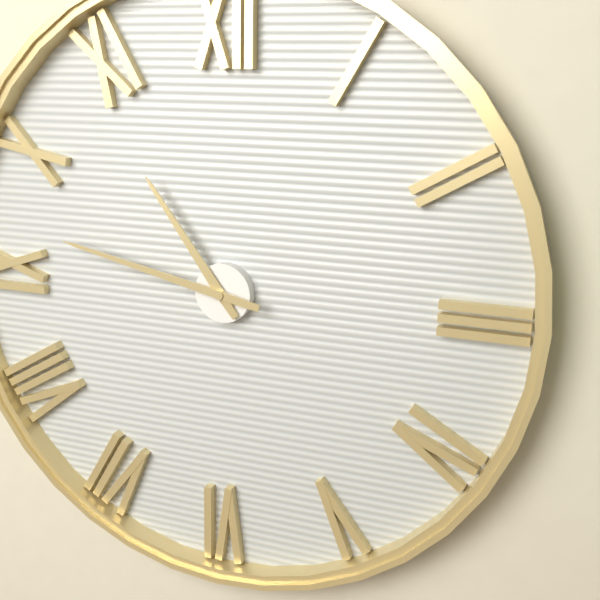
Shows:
10:47
